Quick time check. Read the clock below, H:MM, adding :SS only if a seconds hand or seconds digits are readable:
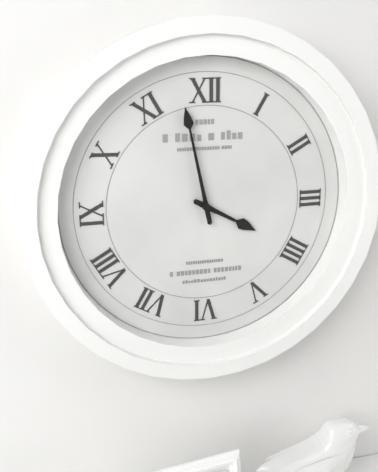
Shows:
3:58
